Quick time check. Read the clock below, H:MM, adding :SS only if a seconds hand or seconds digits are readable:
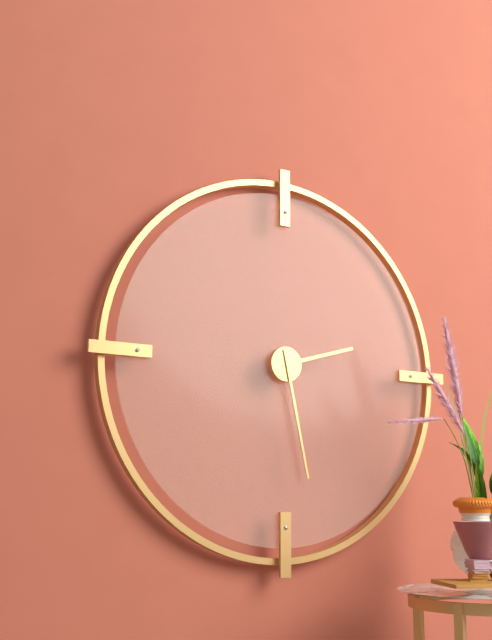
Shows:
2:28
